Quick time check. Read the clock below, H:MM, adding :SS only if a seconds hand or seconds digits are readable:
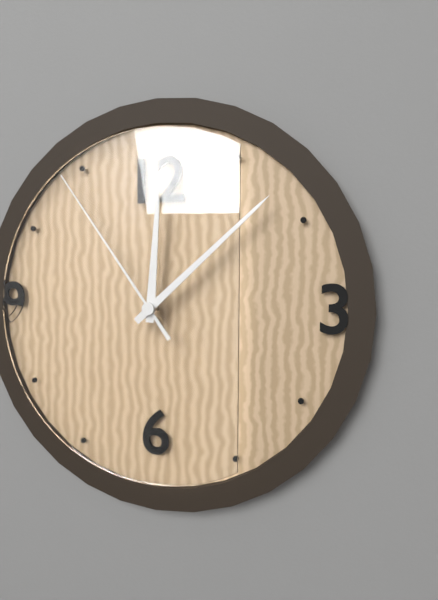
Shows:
12:08:54
